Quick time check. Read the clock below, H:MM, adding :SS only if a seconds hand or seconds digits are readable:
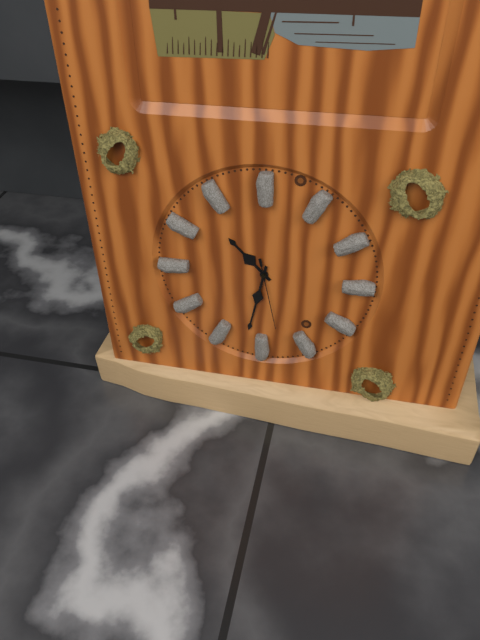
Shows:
10:32:28
